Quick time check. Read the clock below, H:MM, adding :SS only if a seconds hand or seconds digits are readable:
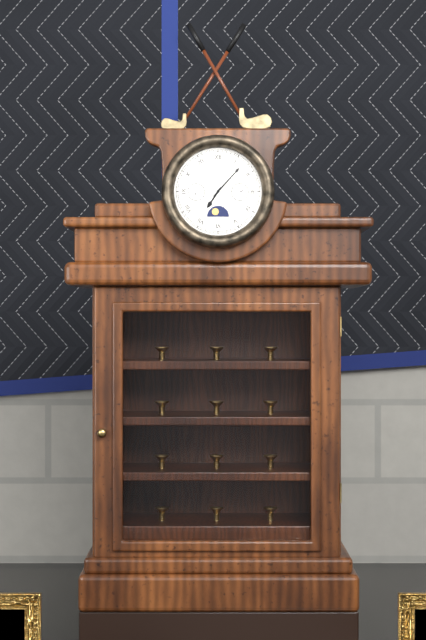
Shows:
7:07
